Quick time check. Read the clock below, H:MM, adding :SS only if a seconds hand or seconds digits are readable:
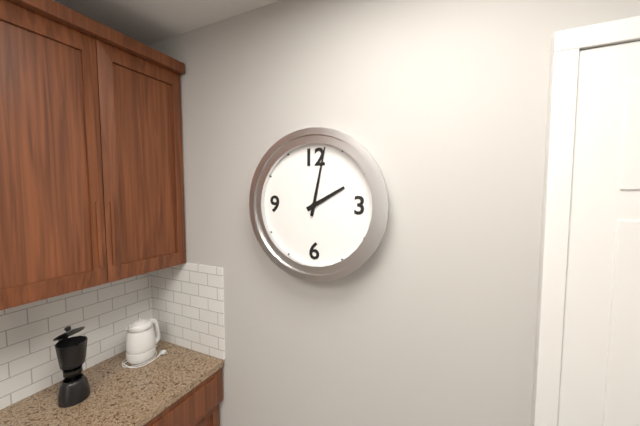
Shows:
2:02
